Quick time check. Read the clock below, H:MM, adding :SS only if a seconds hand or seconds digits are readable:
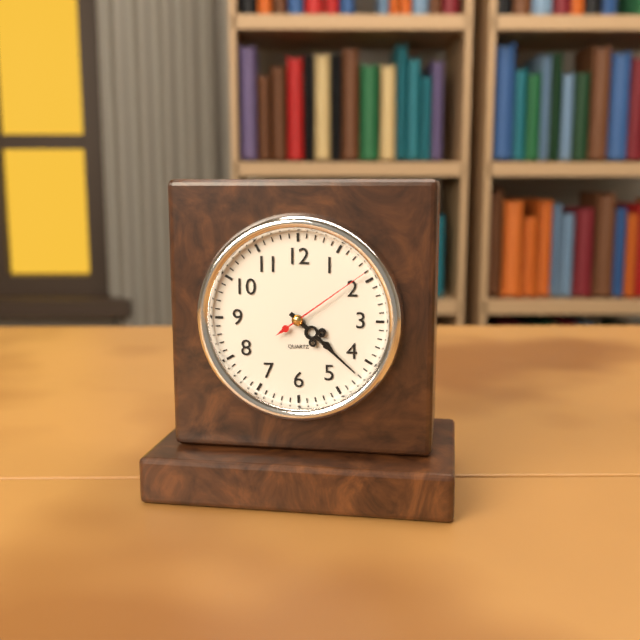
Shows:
4:22:09
